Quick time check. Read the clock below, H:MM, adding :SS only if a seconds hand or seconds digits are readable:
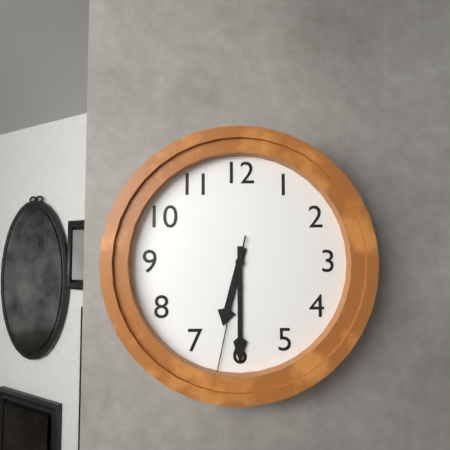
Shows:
6:30:32
